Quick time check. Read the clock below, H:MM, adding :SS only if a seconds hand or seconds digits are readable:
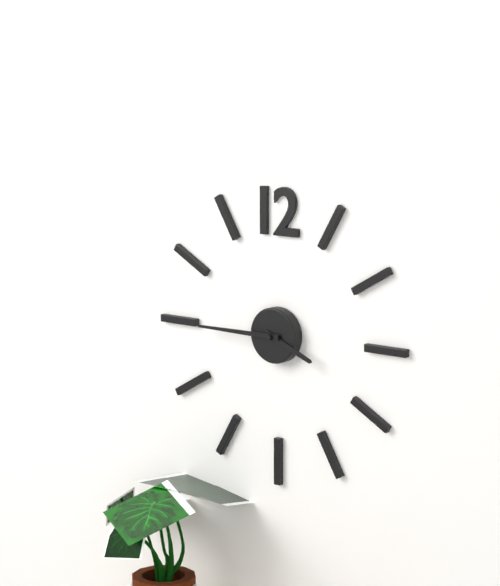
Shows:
3:45
